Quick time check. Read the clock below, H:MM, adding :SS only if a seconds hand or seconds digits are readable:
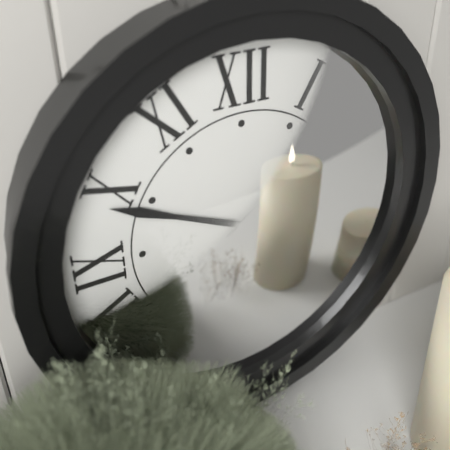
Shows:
1:49
